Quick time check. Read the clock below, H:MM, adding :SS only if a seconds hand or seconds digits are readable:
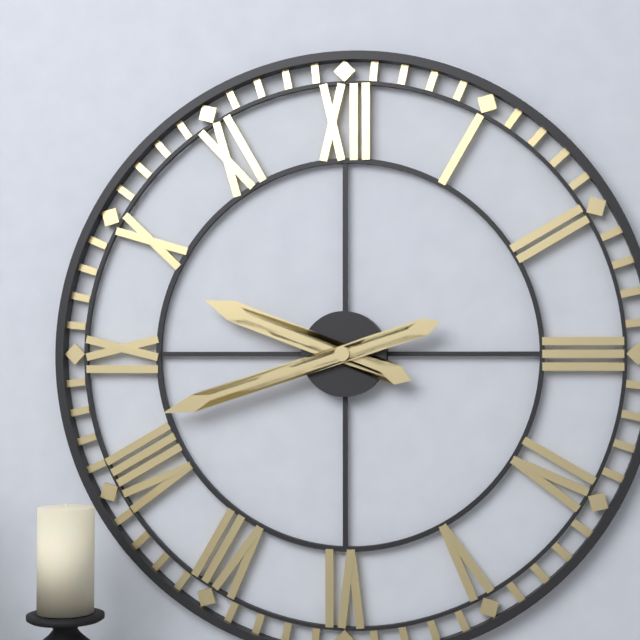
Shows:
9:42
